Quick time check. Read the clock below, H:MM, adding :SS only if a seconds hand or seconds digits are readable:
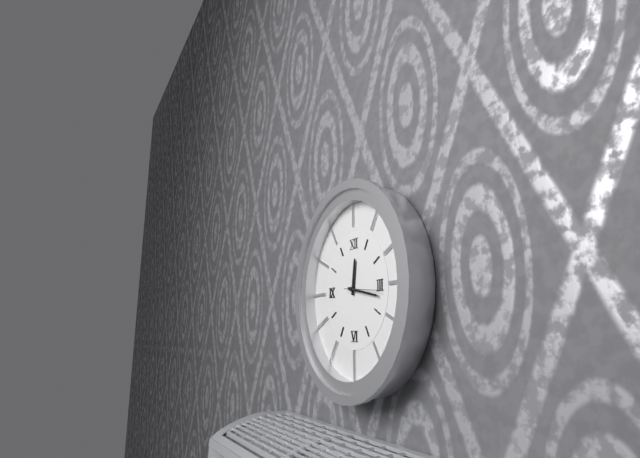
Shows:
12:17
